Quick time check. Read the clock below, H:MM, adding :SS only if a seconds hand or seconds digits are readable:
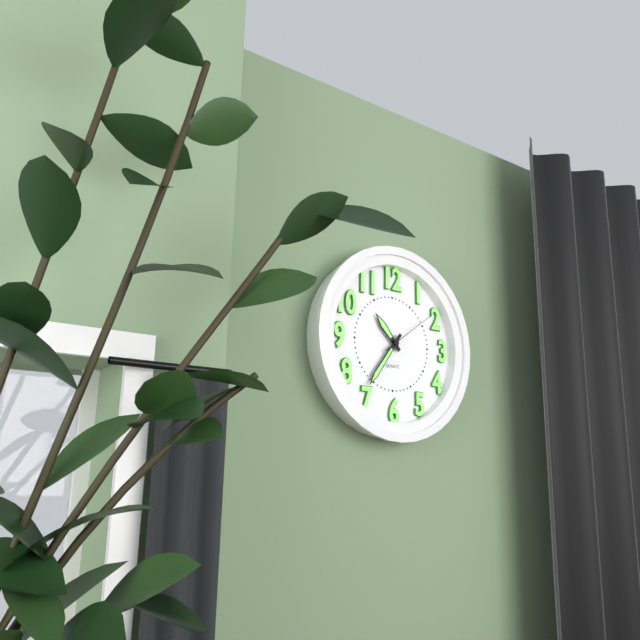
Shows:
10:36:09
